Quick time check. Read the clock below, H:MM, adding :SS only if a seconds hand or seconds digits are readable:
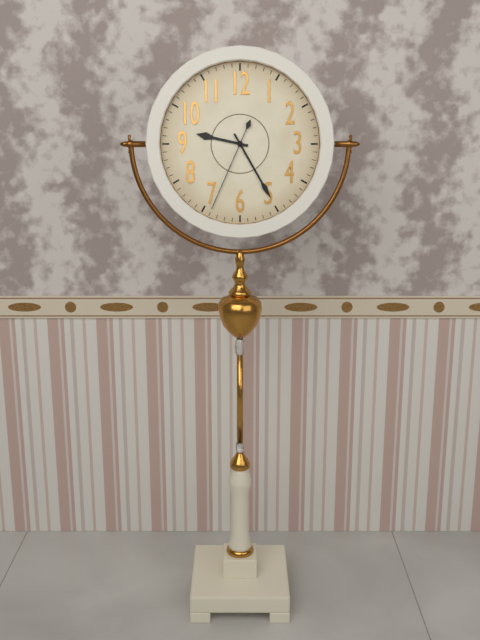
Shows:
9:25:34
